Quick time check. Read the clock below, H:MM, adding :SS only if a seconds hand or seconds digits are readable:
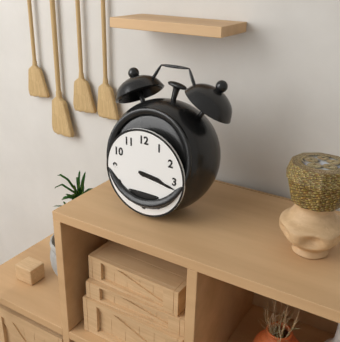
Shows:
3:17
